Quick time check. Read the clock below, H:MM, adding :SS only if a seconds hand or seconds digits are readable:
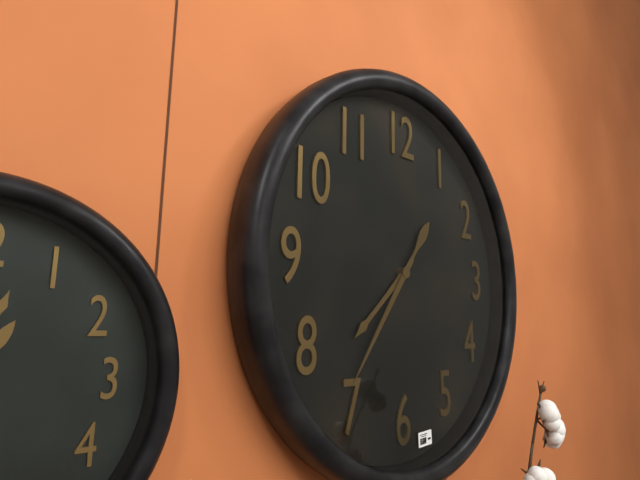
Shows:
7:36
